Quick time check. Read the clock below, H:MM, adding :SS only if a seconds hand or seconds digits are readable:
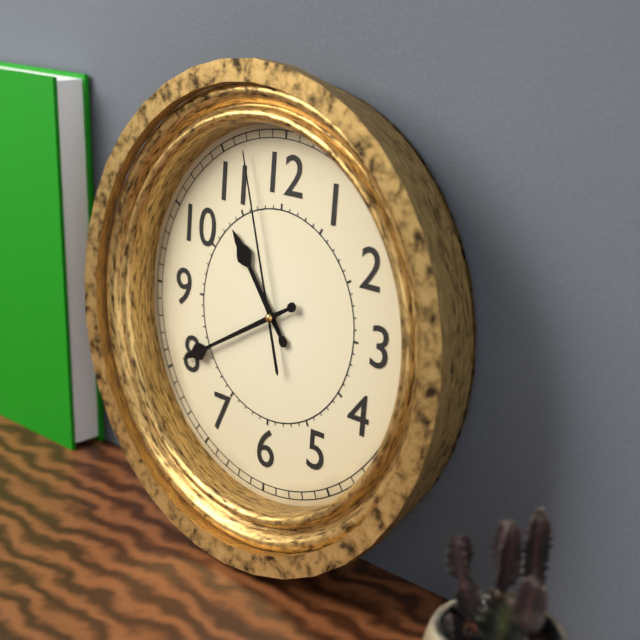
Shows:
10:40:57
